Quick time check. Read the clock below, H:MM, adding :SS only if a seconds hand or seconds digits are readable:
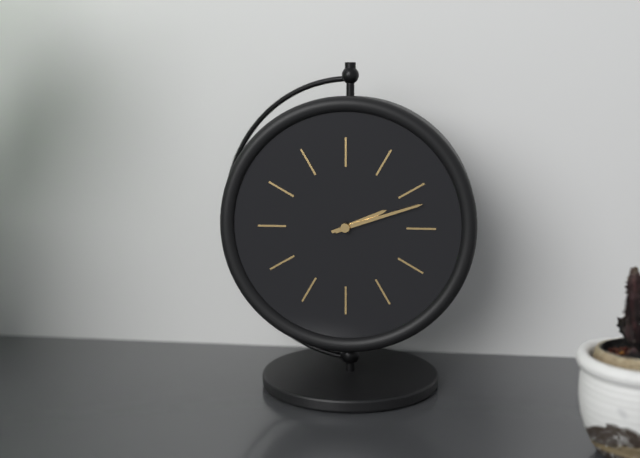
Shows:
2:12
